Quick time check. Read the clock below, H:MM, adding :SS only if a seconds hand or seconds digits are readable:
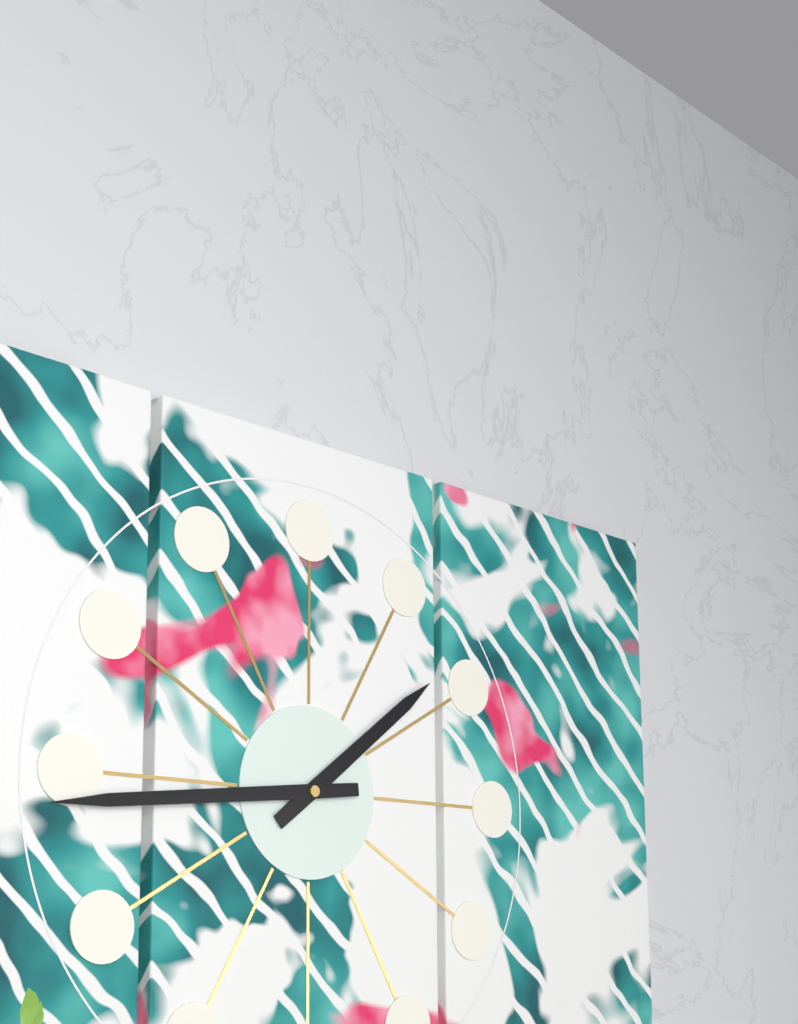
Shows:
1:44
